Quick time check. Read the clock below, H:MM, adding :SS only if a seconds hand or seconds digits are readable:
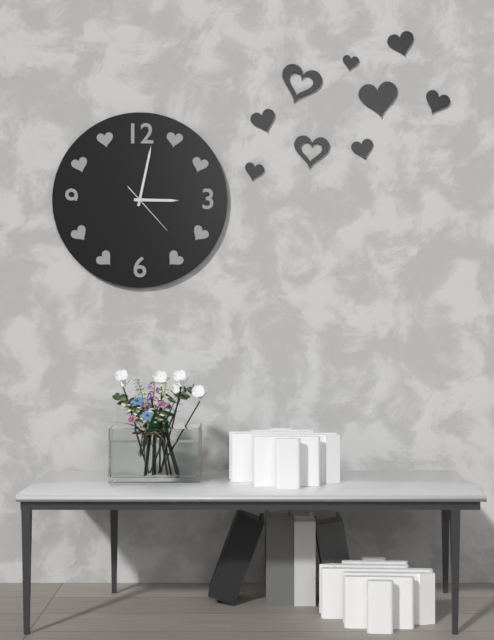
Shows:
3:02:23
